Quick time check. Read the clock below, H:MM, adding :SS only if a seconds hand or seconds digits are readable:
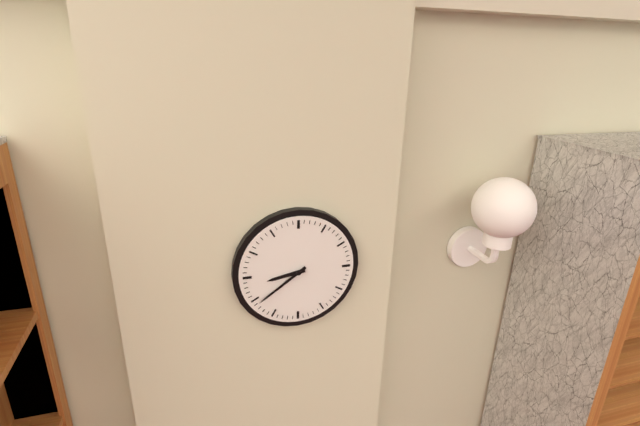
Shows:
8:39
